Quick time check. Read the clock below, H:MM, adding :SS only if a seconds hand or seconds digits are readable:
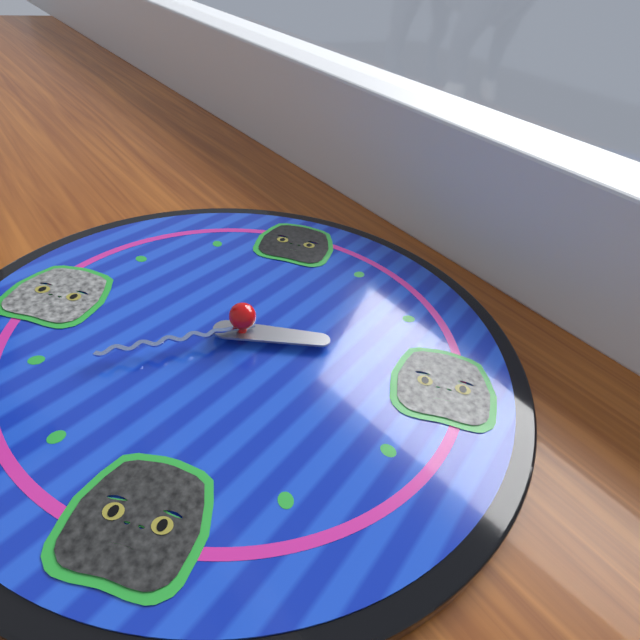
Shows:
2:39
